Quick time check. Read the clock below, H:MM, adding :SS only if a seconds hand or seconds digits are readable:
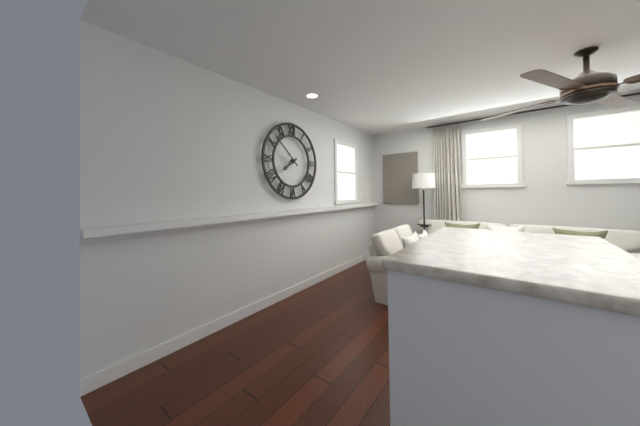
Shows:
7:52
